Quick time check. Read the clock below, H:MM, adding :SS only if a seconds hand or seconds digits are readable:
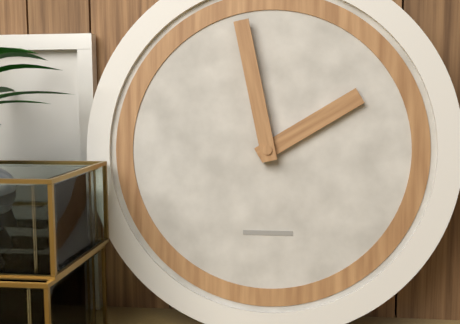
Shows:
1:58
